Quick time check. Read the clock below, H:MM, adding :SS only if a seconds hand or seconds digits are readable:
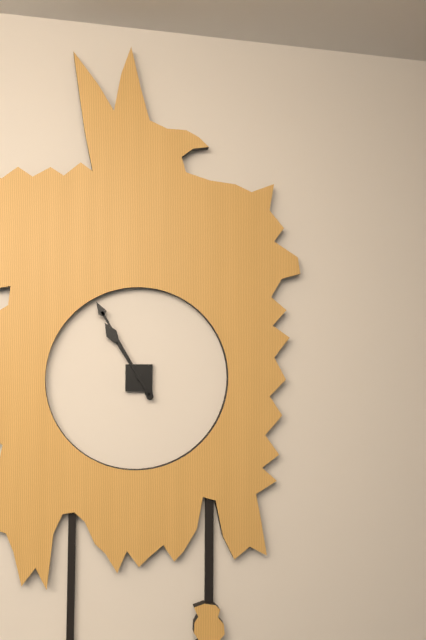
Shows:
10:55
